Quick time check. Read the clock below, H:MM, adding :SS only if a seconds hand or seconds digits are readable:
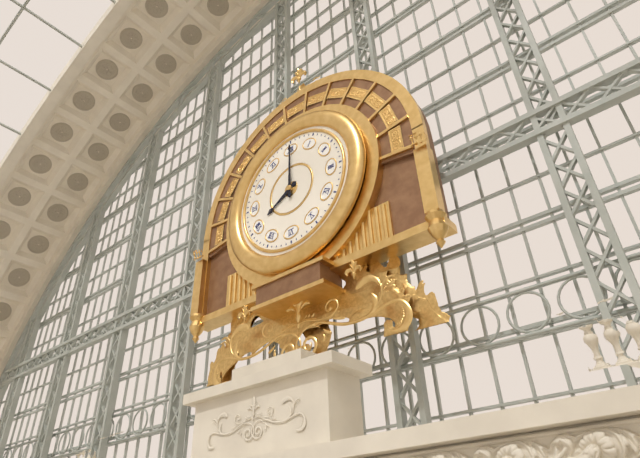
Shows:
8:00
